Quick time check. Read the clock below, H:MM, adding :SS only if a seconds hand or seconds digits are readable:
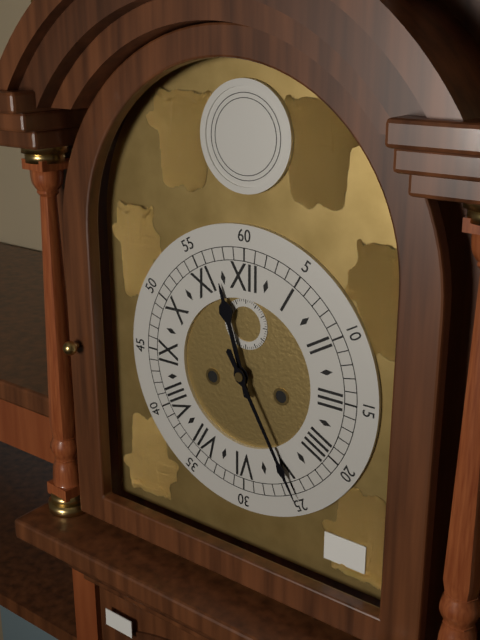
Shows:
11:25
